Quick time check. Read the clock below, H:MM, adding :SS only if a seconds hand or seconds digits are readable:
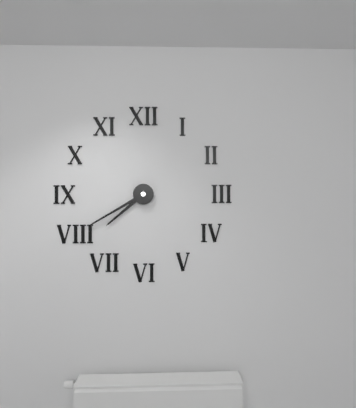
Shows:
7:40
